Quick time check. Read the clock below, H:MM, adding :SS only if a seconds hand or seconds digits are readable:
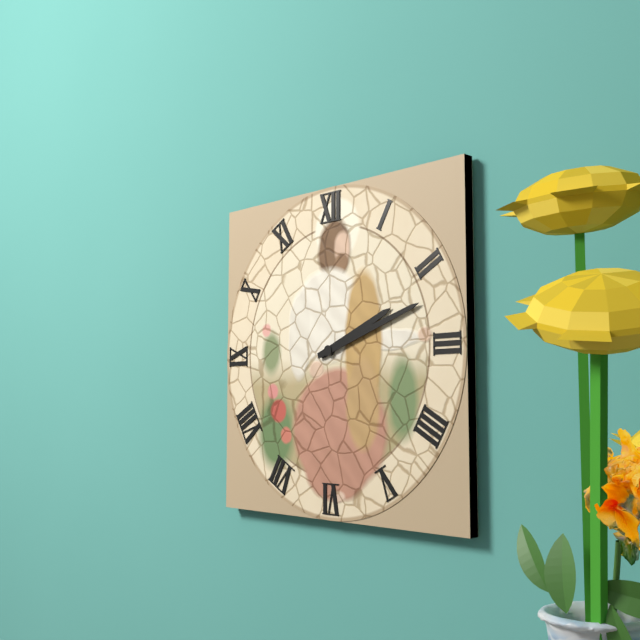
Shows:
2:12
